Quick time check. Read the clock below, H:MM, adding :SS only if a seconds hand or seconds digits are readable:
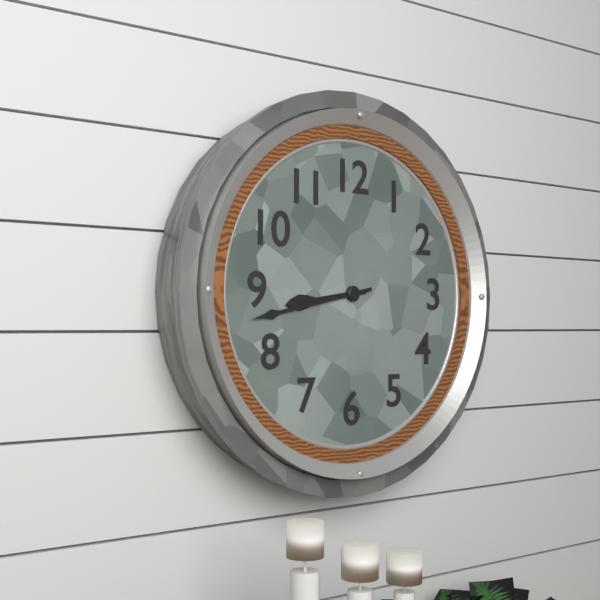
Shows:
8:43
